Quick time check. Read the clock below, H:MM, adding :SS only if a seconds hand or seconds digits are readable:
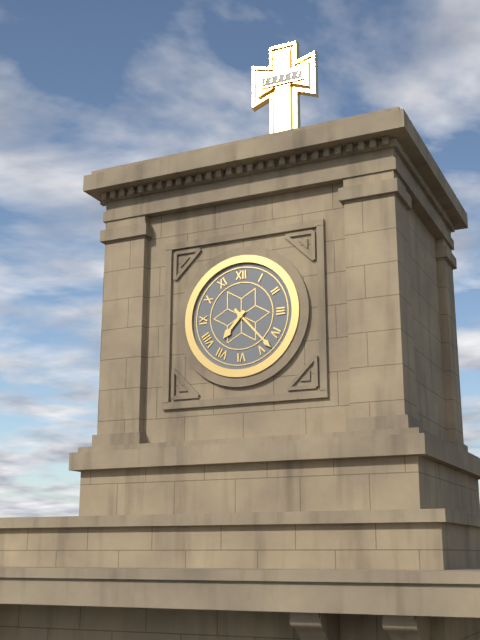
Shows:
7:23
